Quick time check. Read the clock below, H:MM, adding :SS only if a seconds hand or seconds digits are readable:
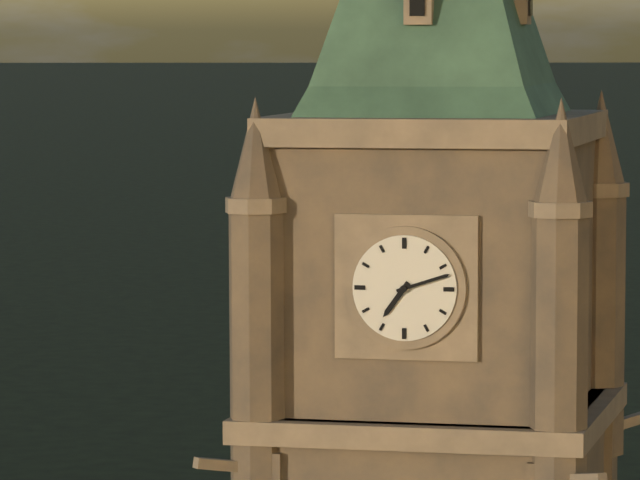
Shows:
7:12
